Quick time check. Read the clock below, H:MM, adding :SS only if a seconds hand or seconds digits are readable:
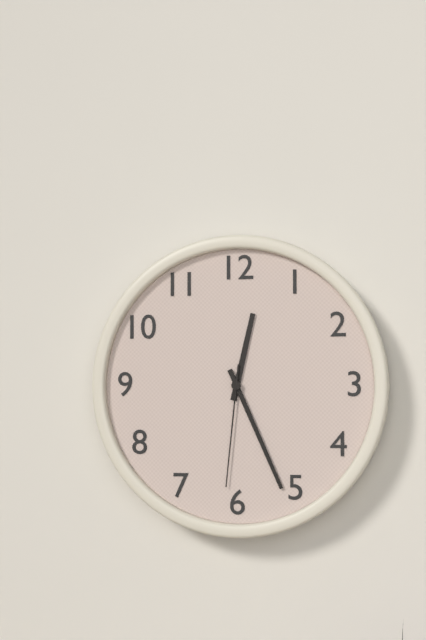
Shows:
12:26:31
